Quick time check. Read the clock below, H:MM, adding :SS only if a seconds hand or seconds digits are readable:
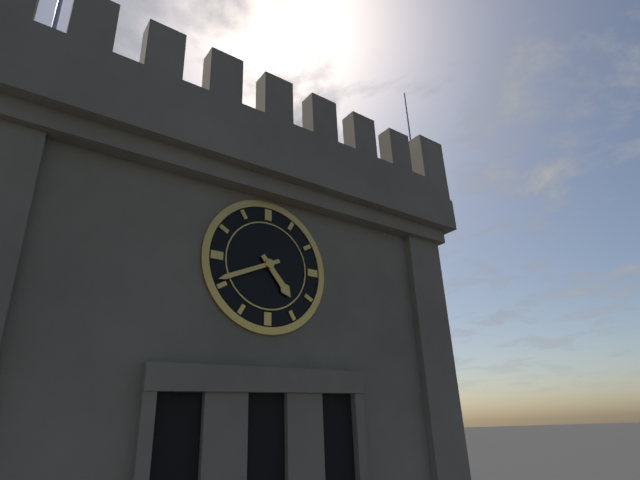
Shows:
4:41
